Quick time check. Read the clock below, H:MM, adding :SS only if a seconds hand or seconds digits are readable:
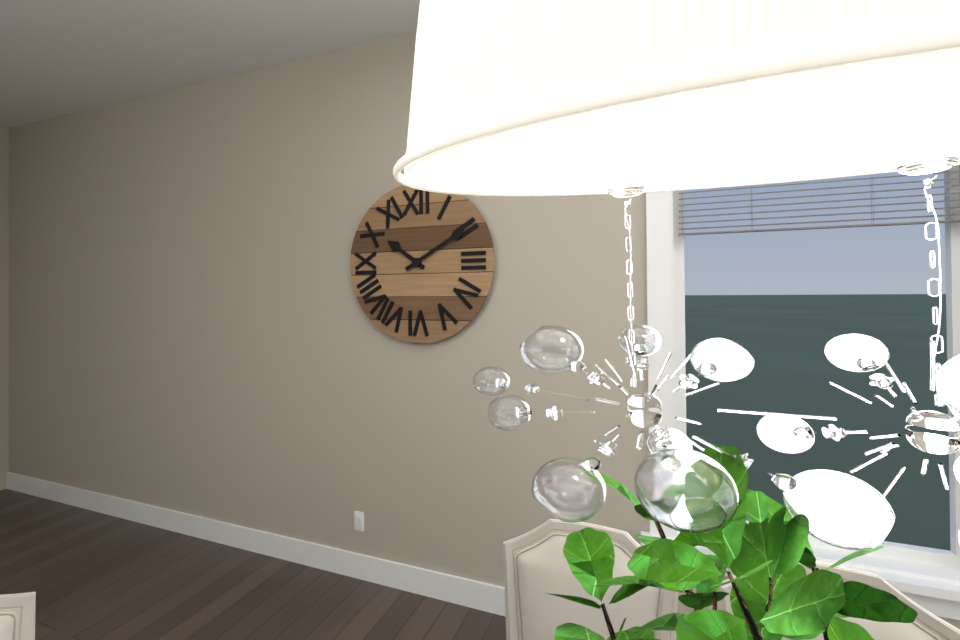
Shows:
10:10
